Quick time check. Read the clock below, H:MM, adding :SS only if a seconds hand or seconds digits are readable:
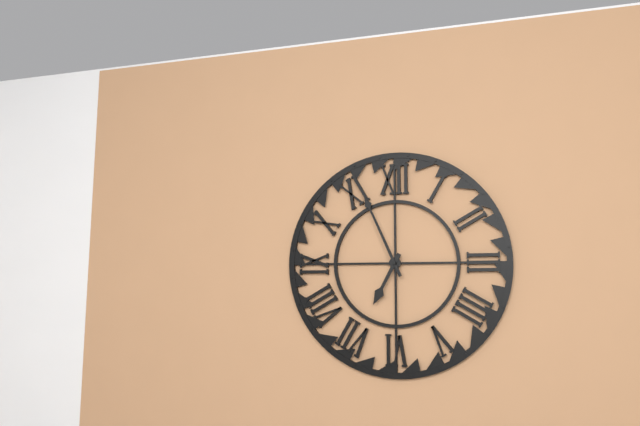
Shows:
6:56
